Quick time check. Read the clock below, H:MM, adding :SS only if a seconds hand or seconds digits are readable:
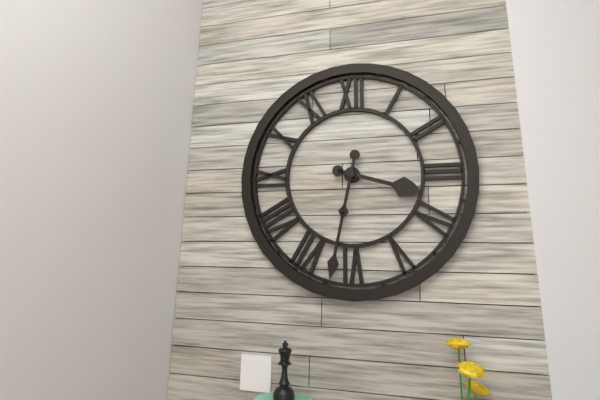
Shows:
3:32
